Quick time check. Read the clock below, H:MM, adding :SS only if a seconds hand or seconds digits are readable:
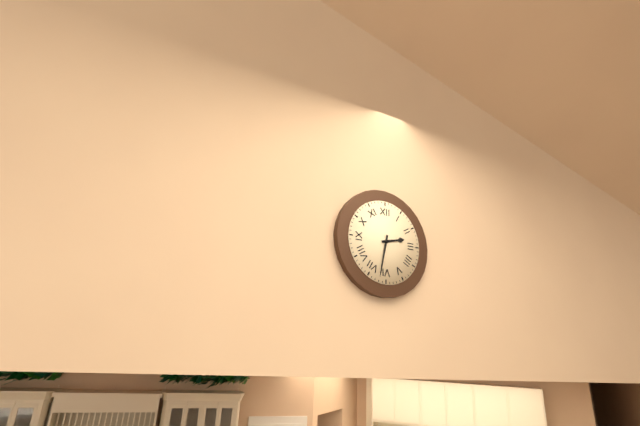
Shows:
2:32
